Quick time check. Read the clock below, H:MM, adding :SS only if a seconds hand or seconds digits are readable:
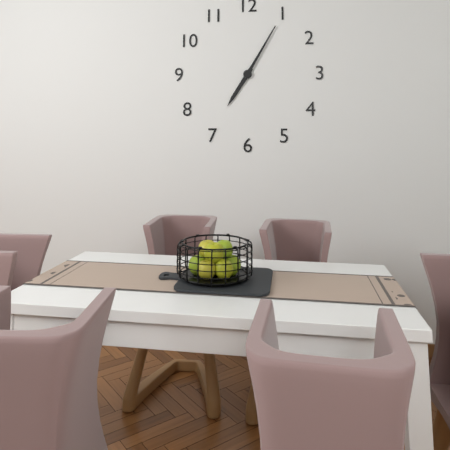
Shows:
7:05
